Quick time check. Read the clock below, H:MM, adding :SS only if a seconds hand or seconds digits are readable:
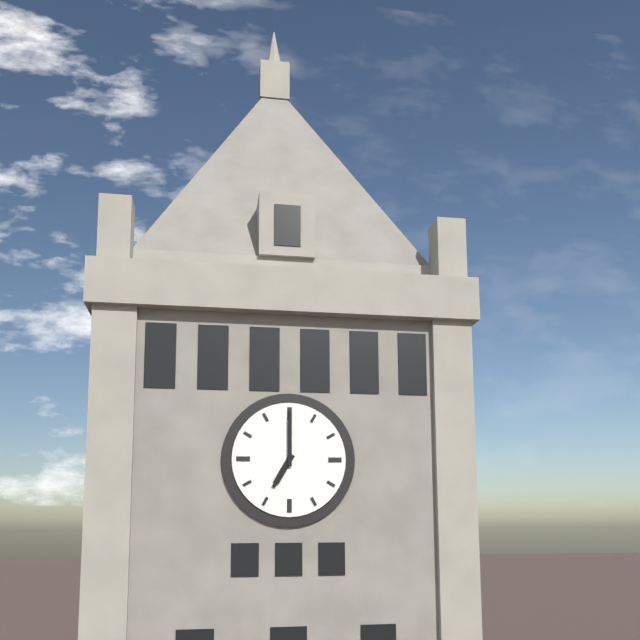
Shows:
7:00
